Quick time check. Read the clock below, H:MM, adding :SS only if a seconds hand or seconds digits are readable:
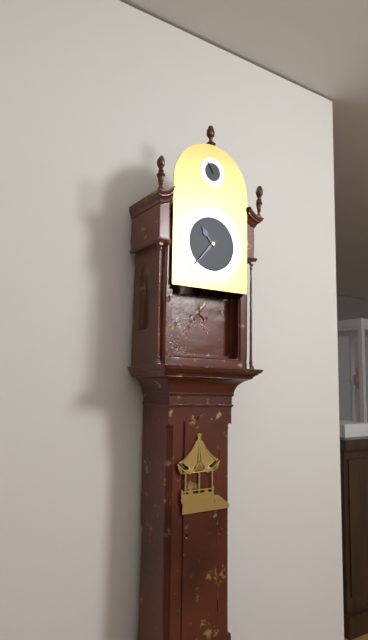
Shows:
10:37
